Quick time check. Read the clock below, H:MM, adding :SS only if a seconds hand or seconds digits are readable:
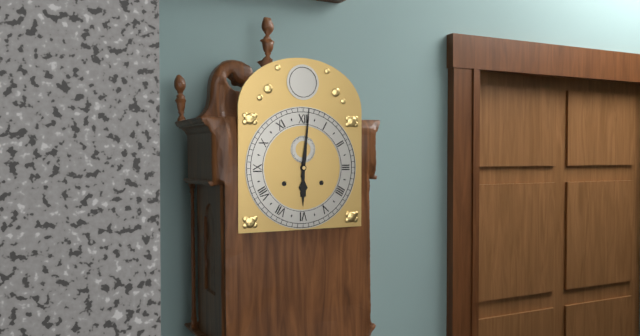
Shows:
6:01
